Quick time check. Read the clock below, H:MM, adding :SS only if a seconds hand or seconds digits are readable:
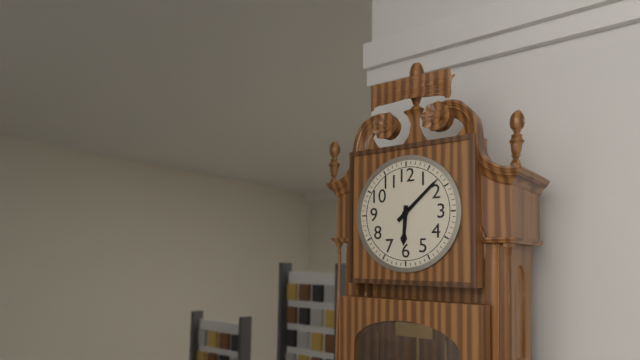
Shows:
6:08
